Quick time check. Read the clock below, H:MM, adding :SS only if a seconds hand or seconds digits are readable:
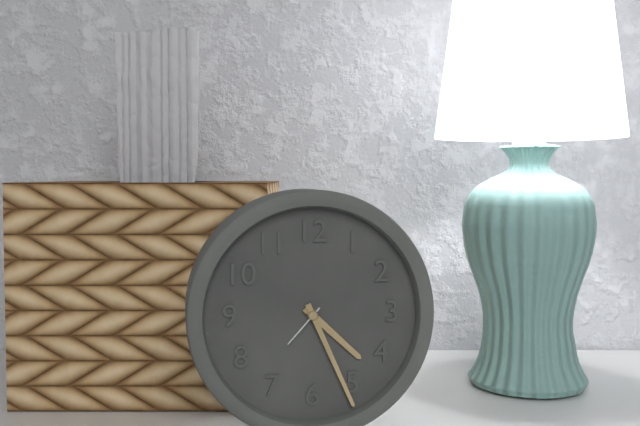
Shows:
4:26
